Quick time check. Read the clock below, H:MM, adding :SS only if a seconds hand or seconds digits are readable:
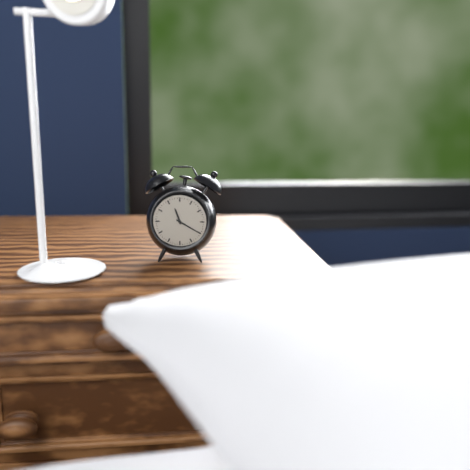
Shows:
11:20
